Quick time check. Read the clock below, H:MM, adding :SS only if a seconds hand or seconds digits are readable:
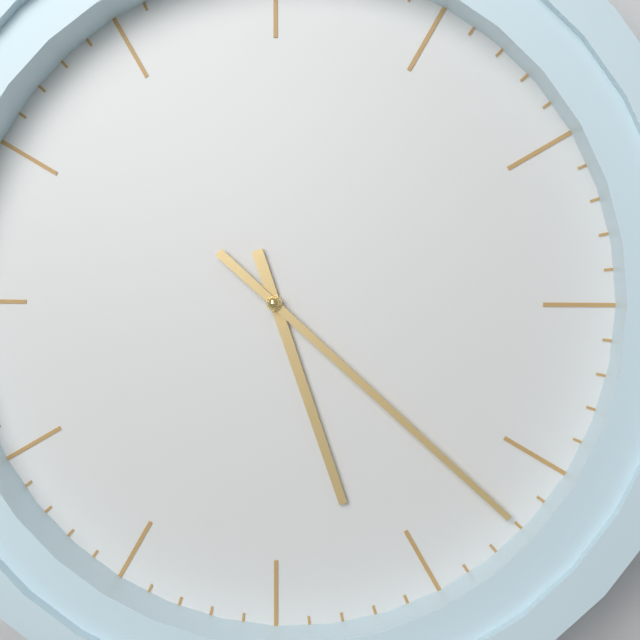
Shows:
5:22
